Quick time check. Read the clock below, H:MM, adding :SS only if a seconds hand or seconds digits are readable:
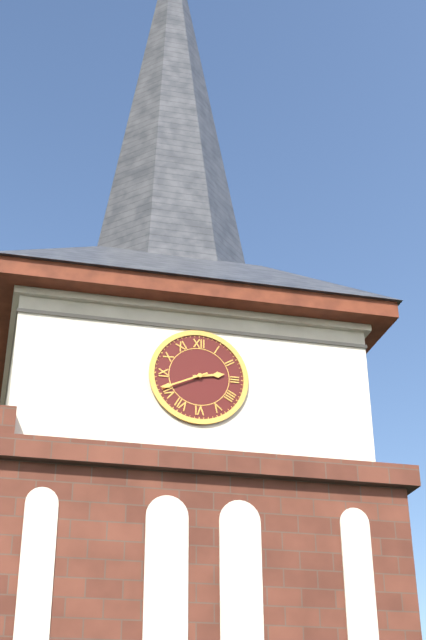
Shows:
2:41
